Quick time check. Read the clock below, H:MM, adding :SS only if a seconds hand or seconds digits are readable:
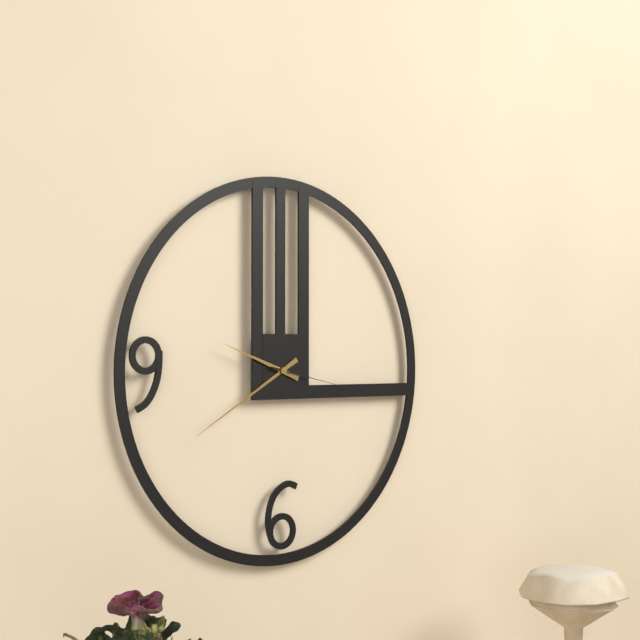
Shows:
9:40:17
